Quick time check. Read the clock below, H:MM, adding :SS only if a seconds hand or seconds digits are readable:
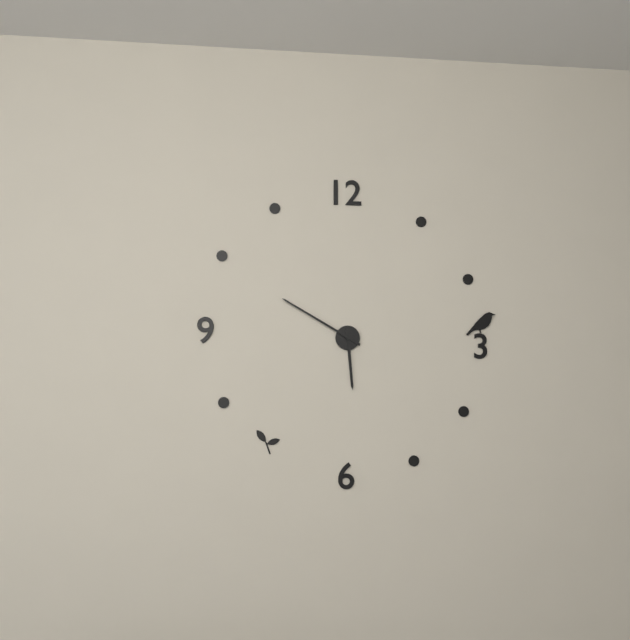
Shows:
5:50
